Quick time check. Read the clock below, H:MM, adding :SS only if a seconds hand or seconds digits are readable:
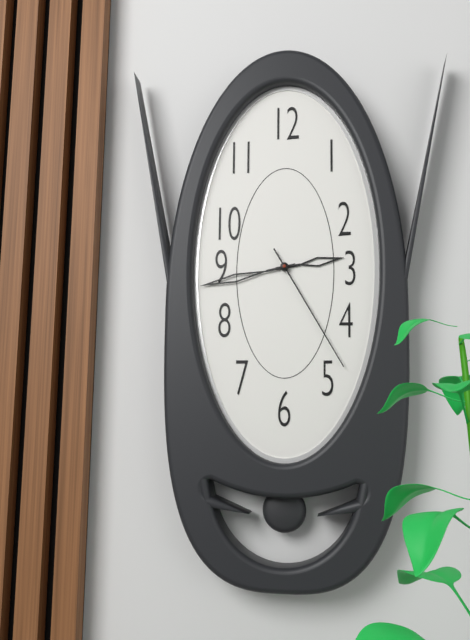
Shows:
2:43:25
